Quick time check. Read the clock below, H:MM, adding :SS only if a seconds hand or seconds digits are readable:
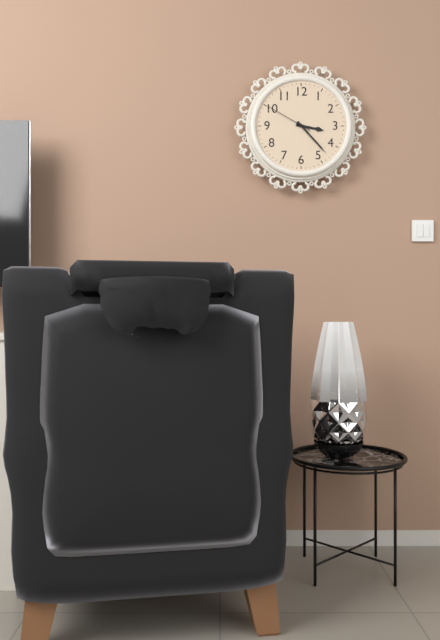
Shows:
3:23:50
